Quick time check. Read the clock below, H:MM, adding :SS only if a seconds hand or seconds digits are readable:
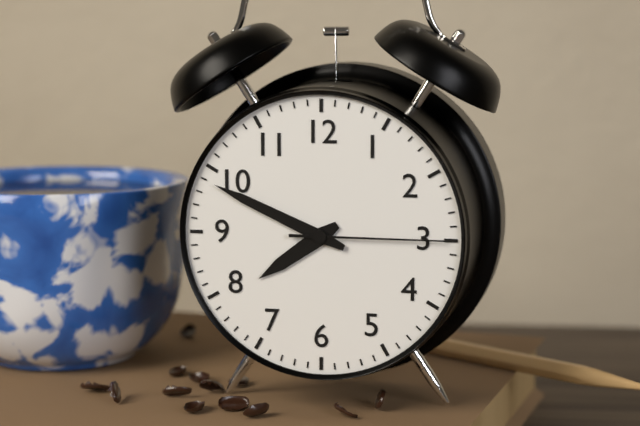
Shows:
7:49:15
